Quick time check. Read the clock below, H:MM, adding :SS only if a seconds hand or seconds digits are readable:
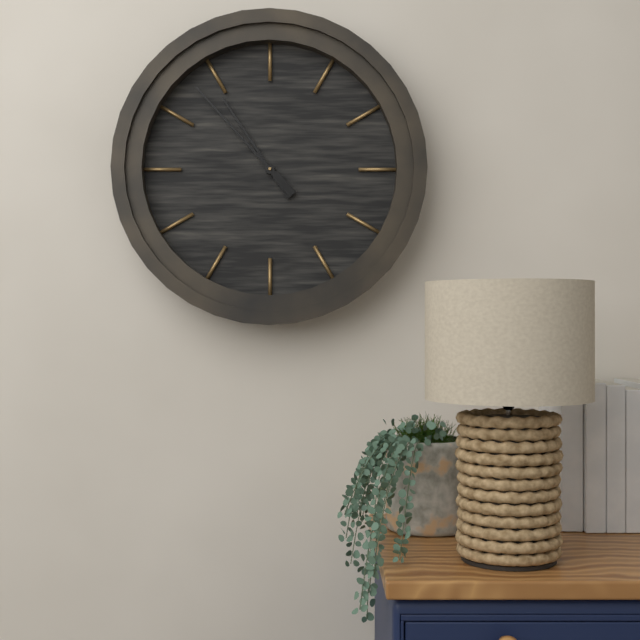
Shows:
10:53
